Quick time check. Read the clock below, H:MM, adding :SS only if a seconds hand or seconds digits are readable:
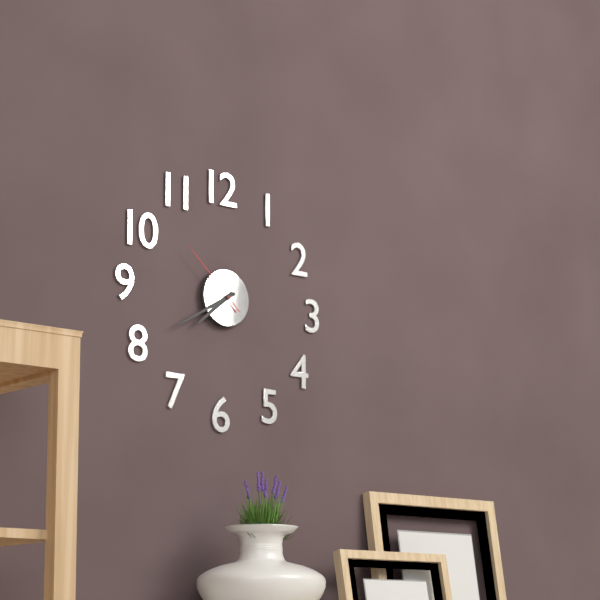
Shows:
7:40:52
